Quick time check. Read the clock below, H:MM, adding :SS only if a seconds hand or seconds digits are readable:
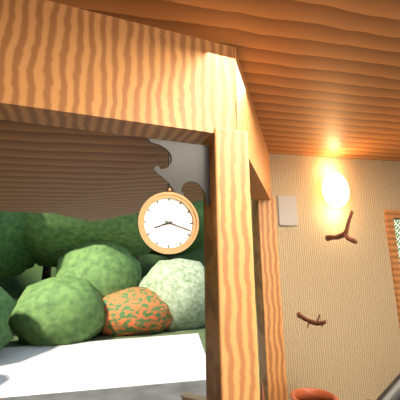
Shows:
8:18
